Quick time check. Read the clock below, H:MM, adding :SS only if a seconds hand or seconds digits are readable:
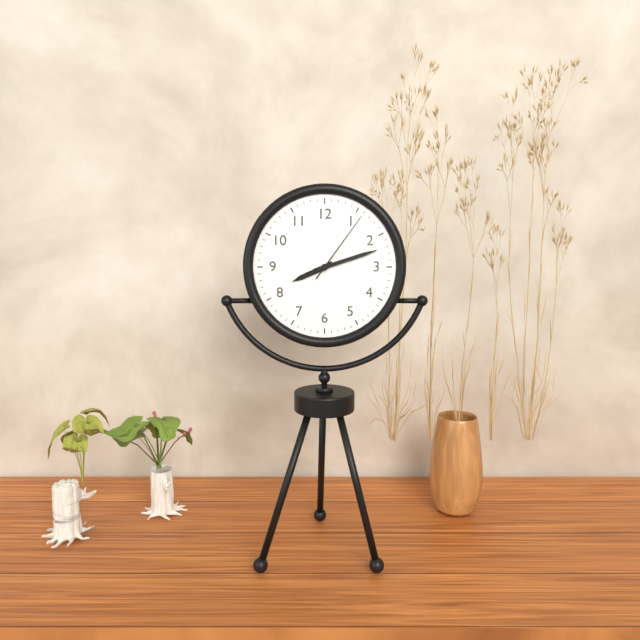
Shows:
8:12:06
